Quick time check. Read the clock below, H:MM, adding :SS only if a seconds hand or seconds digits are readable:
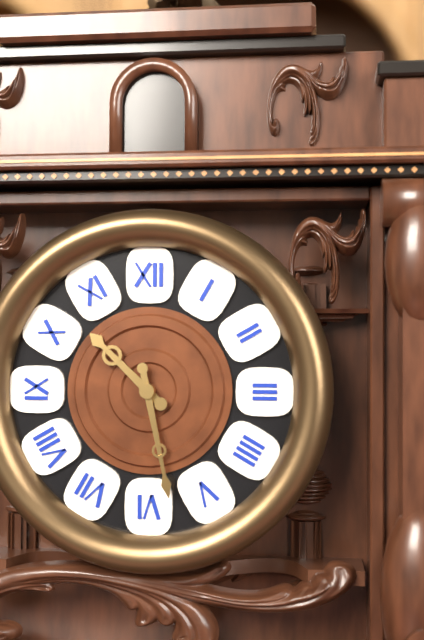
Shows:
10:28
